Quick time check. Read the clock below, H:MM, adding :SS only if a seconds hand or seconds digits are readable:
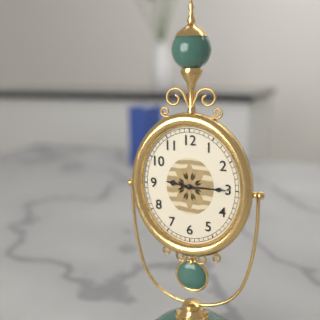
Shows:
9:15
